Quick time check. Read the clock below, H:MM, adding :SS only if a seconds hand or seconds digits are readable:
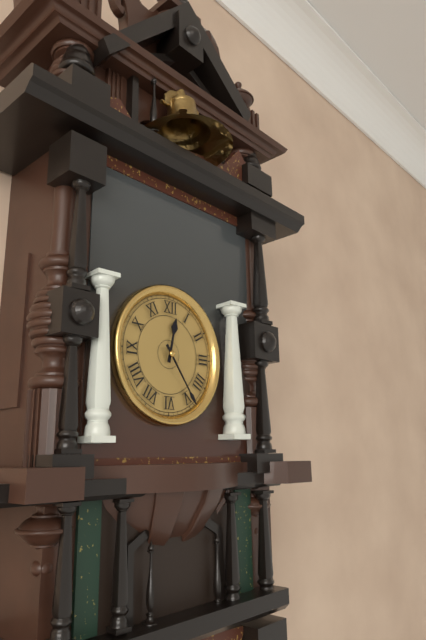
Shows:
12:24
